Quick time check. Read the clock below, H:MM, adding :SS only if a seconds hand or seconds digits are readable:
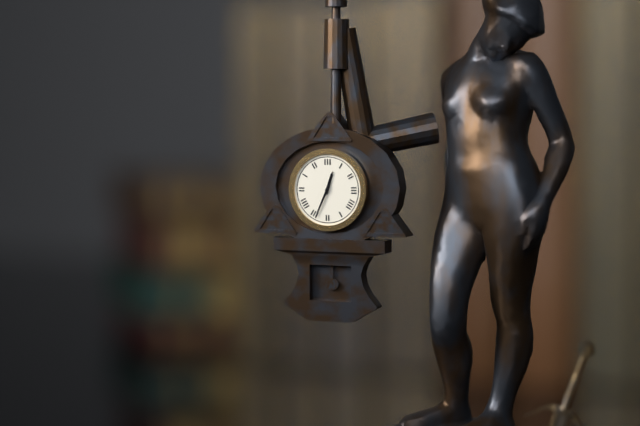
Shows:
12:34
